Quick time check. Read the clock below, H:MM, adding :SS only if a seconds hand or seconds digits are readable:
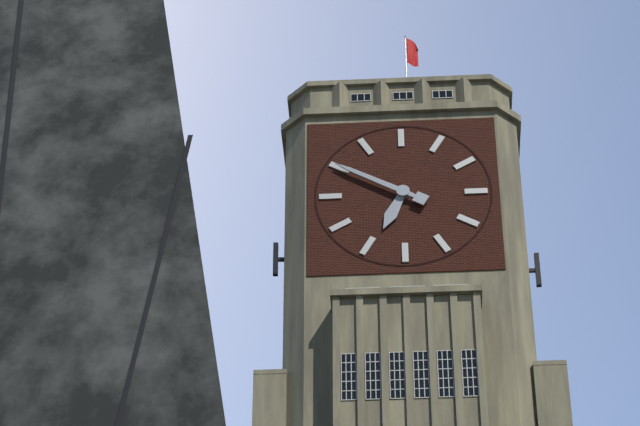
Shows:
6:50
